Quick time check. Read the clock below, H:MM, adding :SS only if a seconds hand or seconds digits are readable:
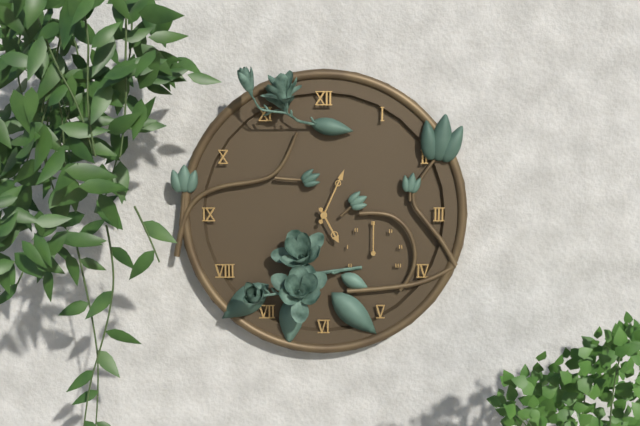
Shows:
5:04
